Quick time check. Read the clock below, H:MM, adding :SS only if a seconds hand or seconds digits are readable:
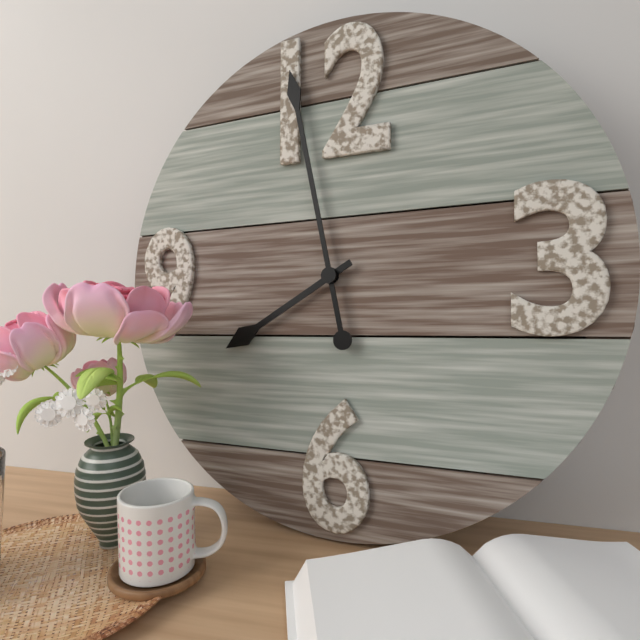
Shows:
7:58
